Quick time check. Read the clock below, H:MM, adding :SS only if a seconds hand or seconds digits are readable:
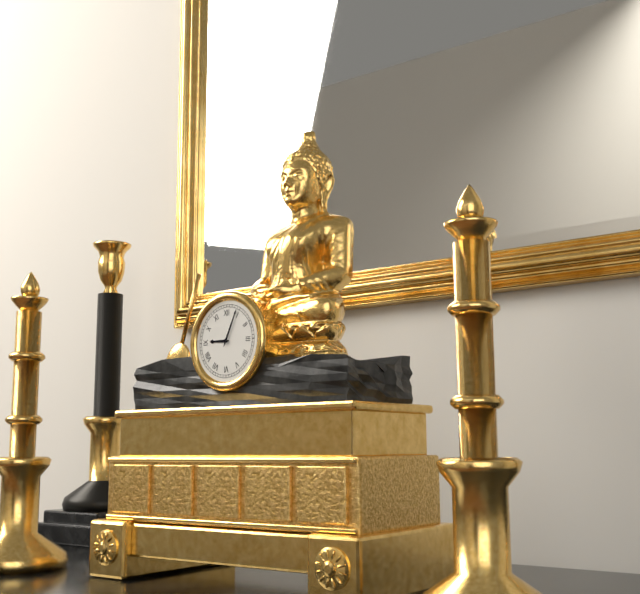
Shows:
9:04
